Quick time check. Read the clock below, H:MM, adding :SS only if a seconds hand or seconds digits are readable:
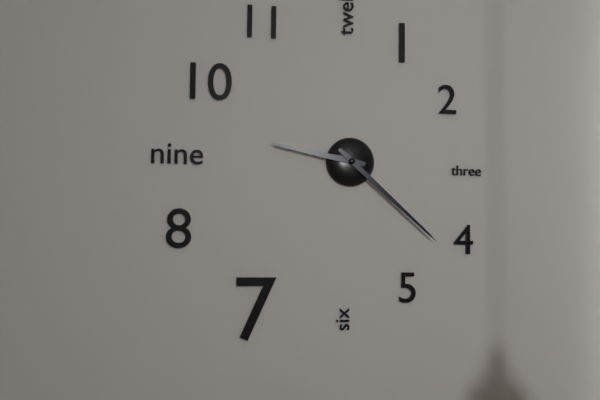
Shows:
9:22
